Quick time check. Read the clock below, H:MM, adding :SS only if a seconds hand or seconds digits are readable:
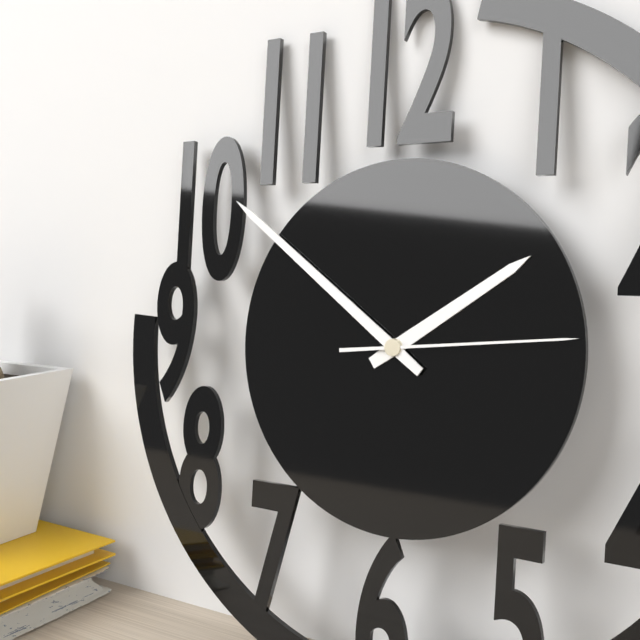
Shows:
1:51:14
